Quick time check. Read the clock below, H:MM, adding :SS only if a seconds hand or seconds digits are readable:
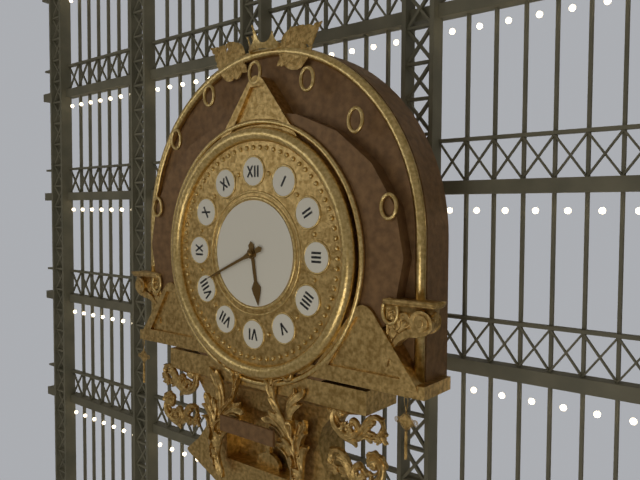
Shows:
5:41
